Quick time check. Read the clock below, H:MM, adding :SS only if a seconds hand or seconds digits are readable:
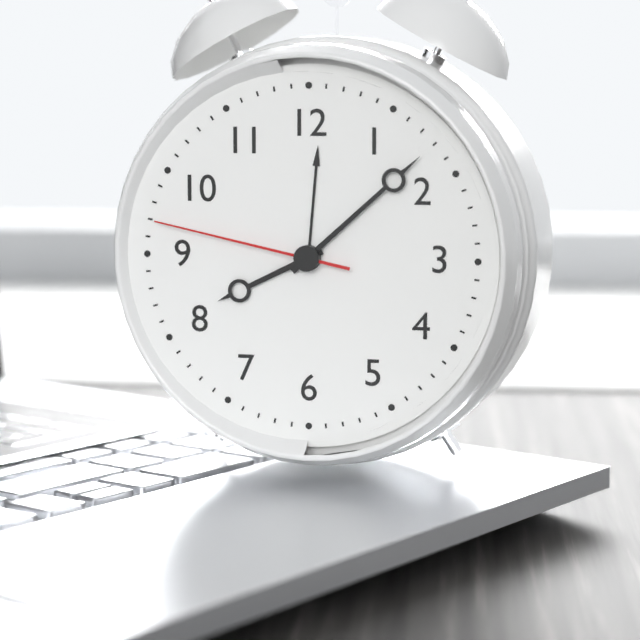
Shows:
8:08:47
